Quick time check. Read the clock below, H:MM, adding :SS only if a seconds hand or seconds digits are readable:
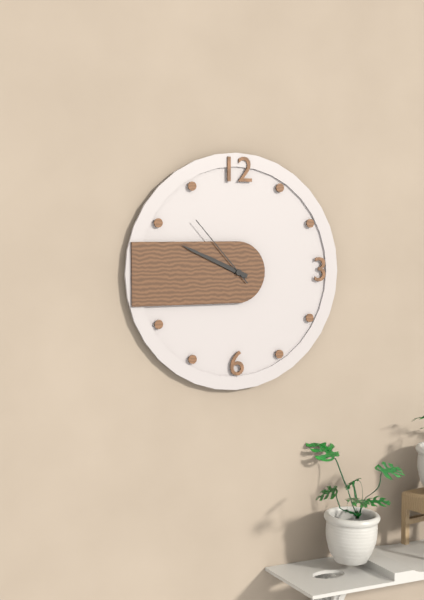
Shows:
9:49:53
